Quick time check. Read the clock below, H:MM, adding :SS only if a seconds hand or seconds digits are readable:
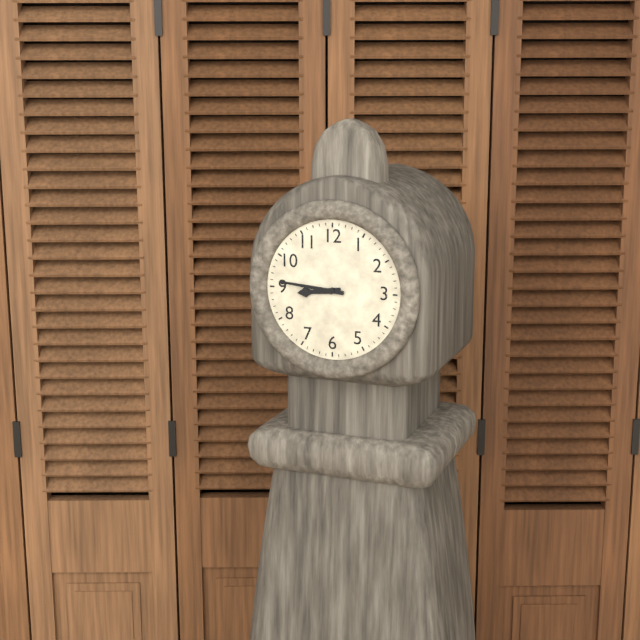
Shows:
8:46
